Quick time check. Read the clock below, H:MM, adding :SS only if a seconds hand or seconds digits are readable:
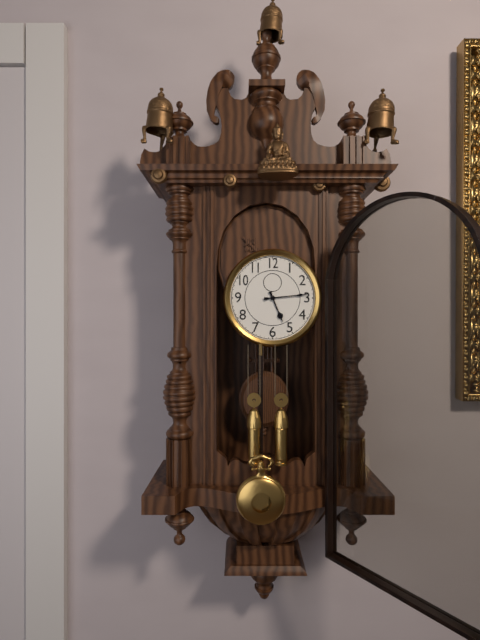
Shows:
5:14
